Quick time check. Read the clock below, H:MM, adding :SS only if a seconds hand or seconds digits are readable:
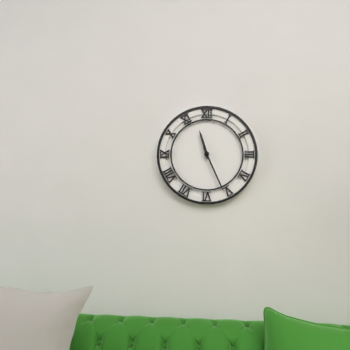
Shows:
11:26
